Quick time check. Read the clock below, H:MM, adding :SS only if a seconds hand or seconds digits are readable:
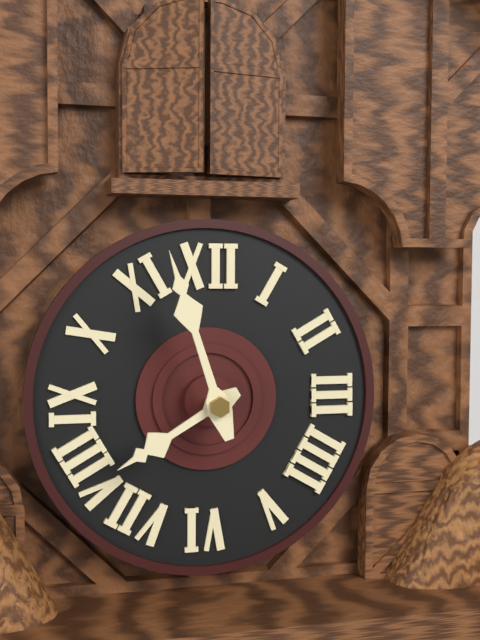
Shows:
7:57
